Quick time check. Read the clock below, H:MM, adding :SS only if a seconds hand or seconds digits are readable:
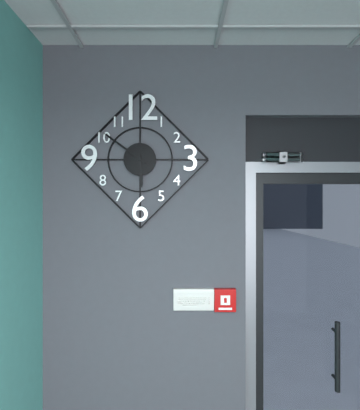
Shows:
5:51
